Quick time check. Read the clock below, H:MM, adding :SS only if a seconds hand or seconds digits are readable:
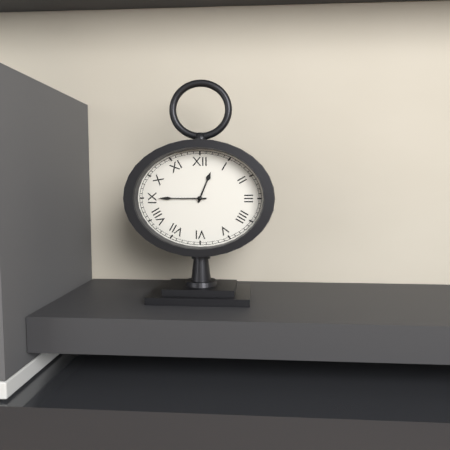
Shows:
12:45
